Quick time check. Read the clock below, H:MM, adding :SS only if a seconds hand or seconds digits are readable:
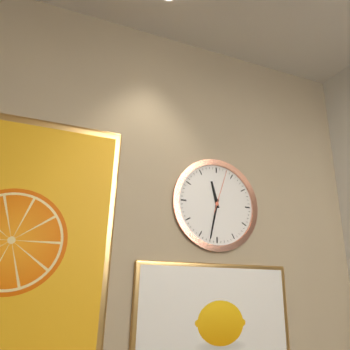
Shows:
11:32
